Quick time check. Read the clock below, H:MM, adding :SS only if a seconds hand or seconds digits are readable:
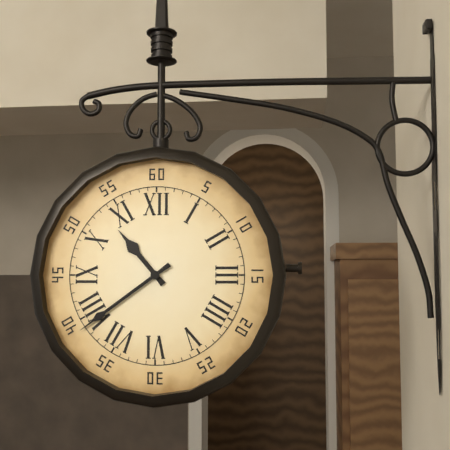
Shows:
10:39
